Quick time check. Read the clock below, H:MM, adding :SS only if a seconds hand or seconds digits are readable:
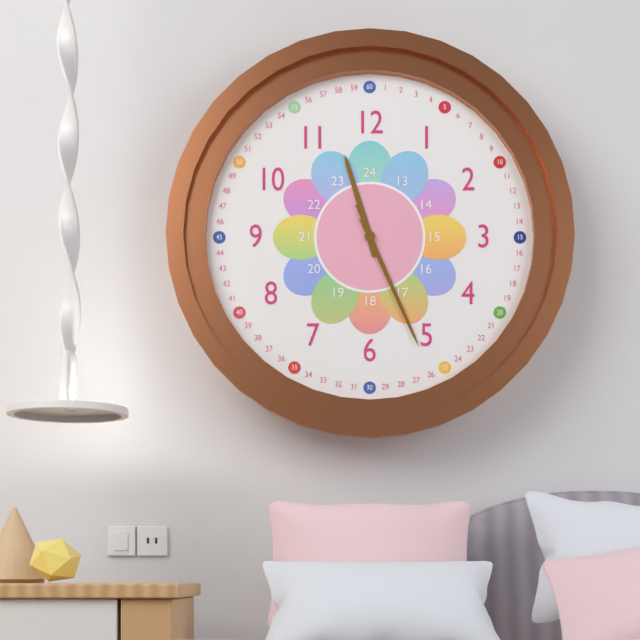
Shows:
11:26:26
